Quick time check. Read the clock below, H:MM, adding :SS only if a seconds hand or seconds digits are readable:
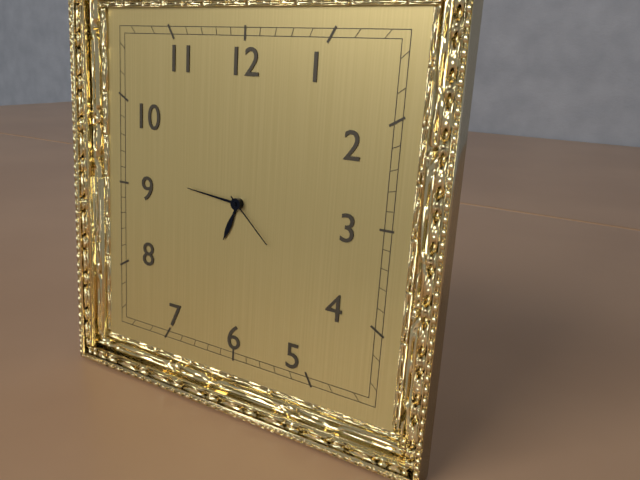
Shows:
6:46:22
